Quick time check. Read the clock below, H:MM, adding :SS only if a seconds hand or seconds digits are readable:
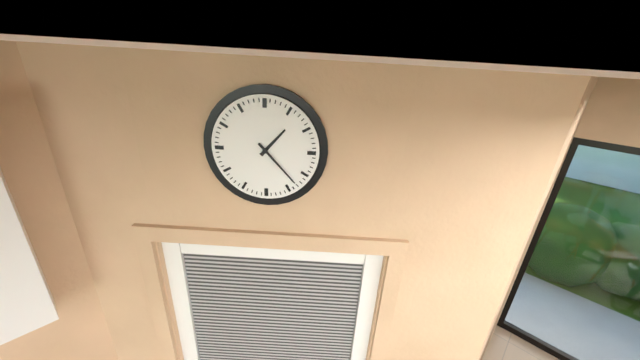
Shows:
1:23
